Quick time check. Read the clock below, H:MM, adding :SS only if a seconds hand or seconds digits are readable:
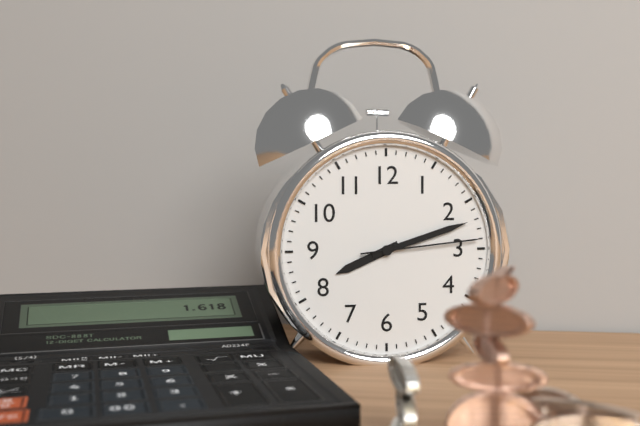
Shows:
8:12:14
